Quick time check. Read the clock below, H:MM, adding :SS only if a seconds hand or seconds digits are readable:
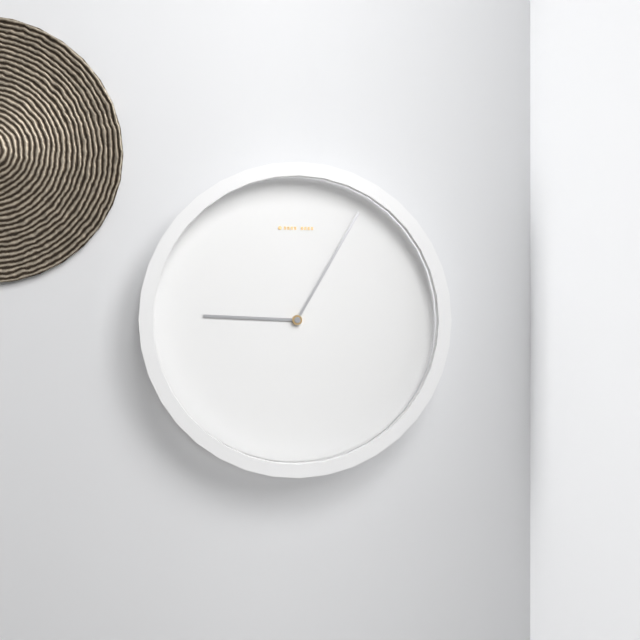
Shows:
9:05
